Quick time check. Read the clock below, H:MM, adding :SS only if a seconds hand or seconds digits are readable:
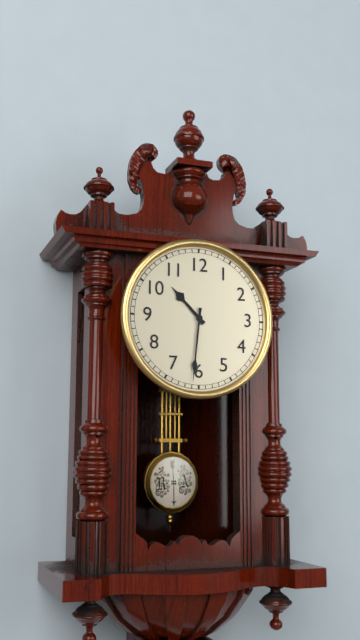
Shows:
10:31
